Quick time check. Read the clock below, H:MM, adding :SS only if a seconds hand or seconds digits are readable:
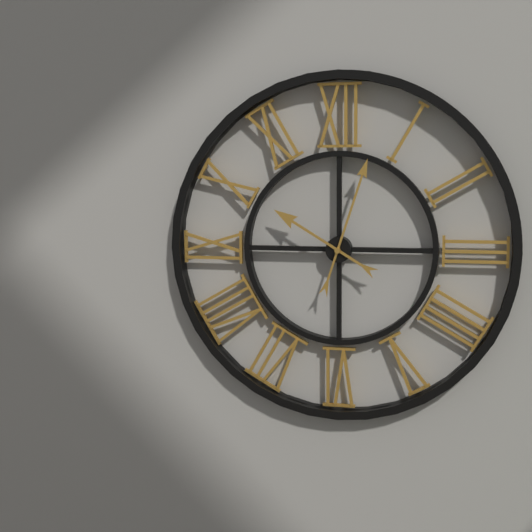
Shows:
10:03
